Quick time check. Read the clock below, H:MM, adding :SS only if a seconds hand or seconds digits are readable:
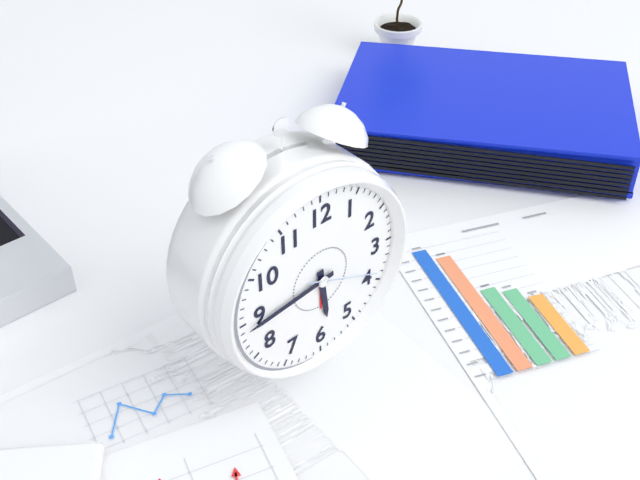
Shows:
5:44:19
